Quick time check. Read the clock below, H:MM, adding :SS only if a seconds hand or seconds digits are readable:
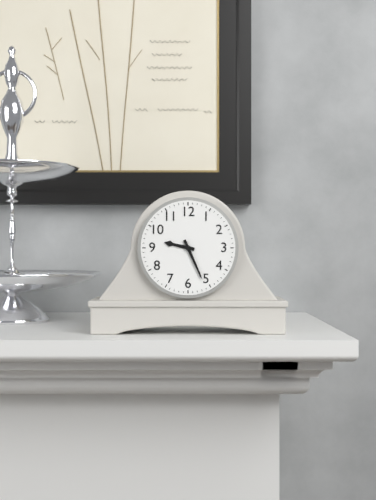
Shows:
9:26
